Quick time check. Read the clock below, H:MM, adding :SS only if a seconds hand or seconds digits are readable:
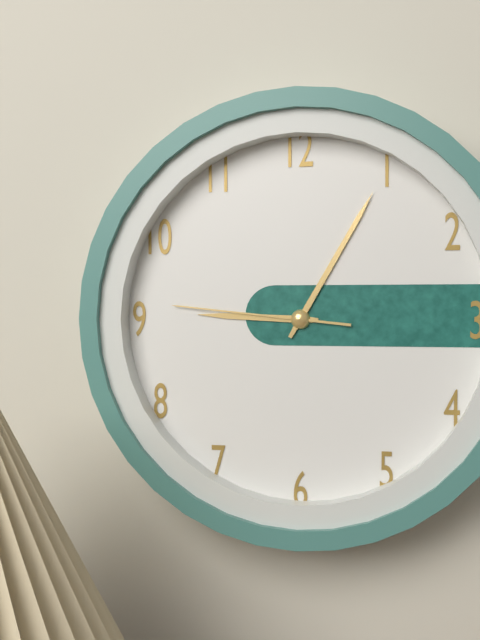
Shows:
9:05:46
